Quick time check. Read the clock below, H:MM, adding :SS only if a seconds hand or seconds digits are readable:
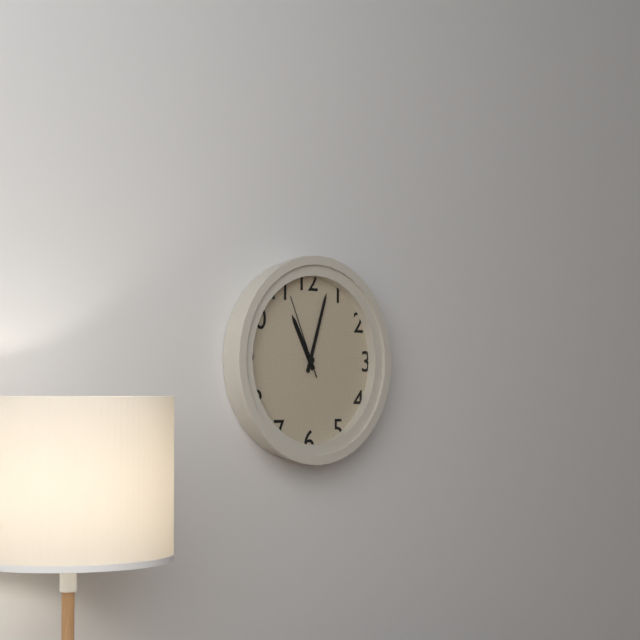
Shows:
11:03:56
